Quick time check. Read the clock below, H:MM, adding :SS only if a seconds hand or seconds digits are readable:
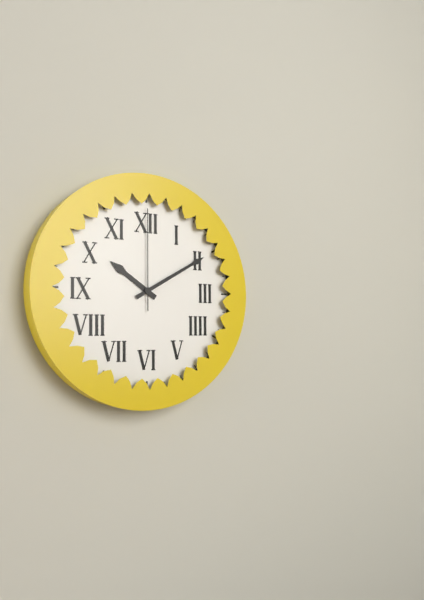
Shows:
10:10:00
